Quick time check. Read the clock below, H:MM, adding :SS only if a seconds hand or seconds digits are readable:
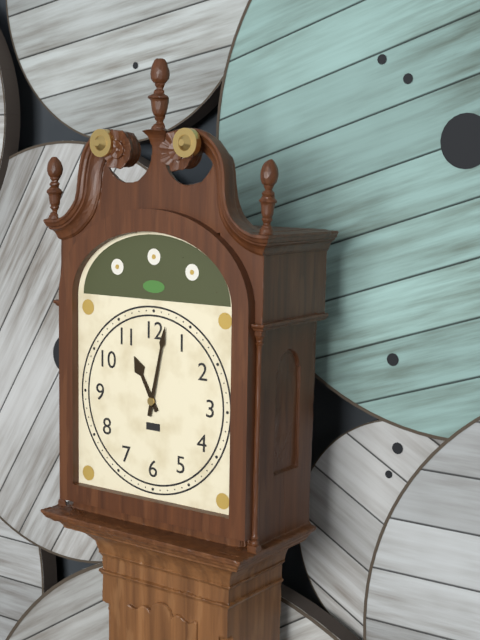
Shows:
11:02
